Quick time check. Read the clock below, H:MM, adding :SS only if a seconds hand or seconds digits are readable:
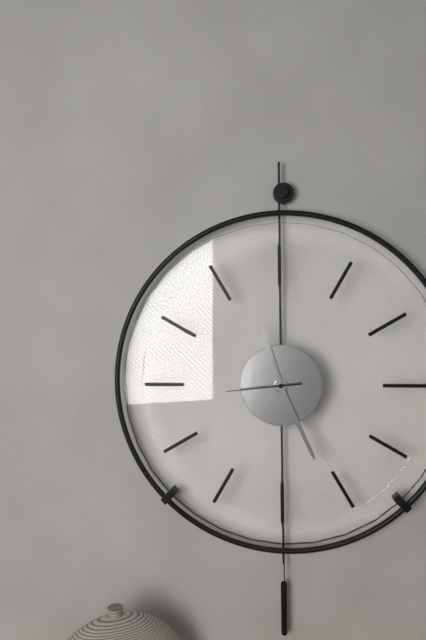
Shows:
11:26:44
